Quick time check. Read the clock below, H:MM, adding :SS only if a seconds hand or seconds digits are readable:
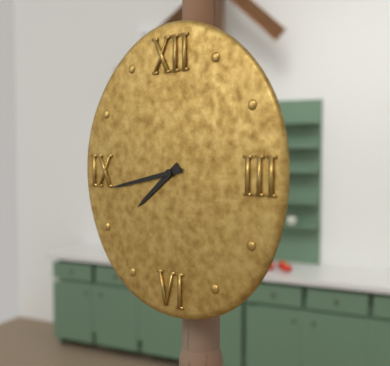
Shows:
7:43
